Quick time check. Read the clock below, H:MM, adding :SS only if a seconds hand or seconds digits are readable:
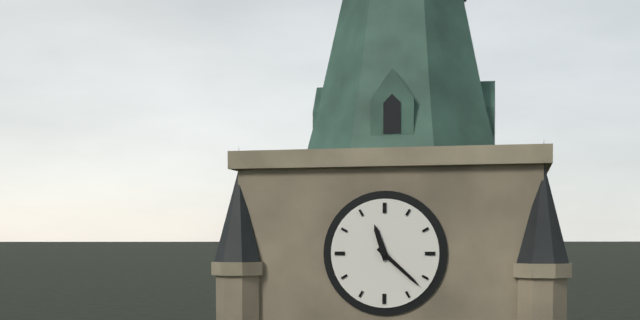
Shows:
11:22
